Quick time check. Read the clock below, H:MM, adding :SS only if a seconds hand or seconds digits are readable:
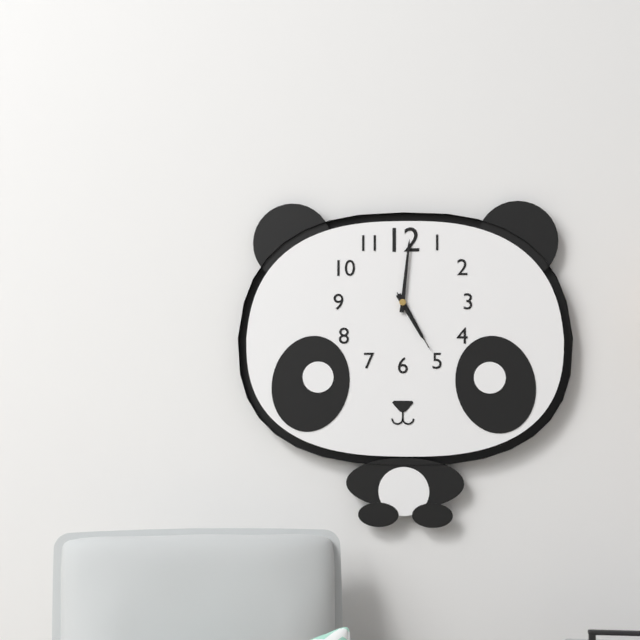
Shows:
5:01:25
